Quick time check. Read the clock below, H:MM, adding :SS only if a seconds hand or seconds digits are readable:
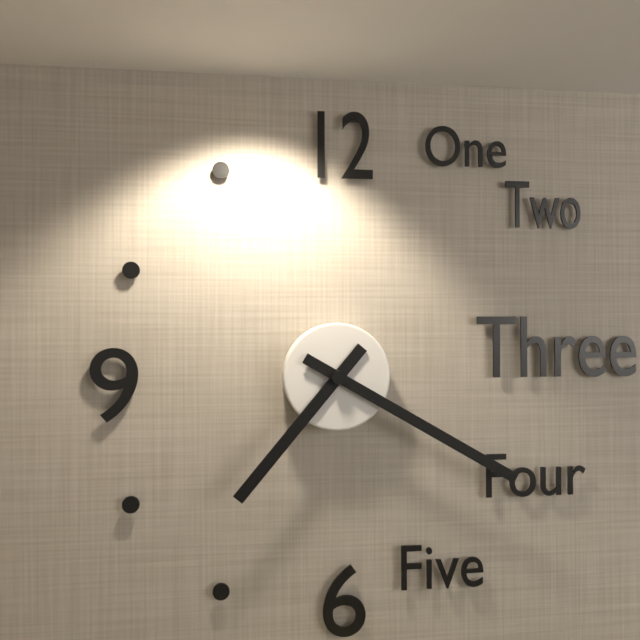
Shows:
7:20
